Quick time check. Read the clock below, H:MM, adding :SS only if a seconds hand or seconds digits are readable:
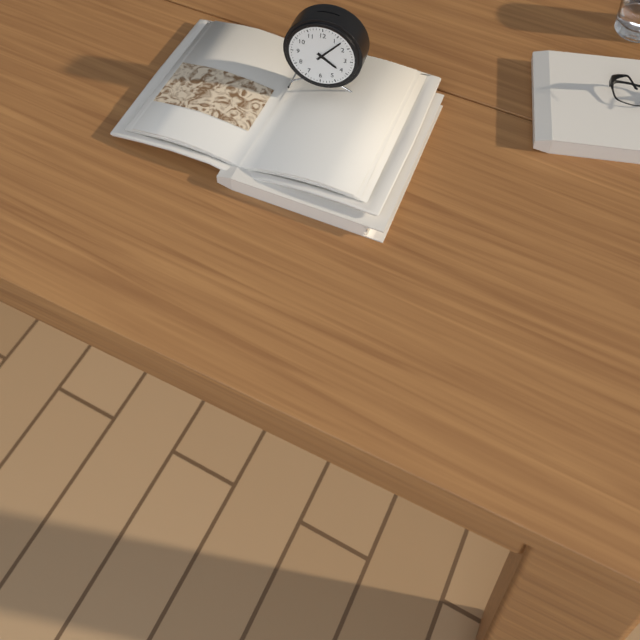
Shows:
4:07
